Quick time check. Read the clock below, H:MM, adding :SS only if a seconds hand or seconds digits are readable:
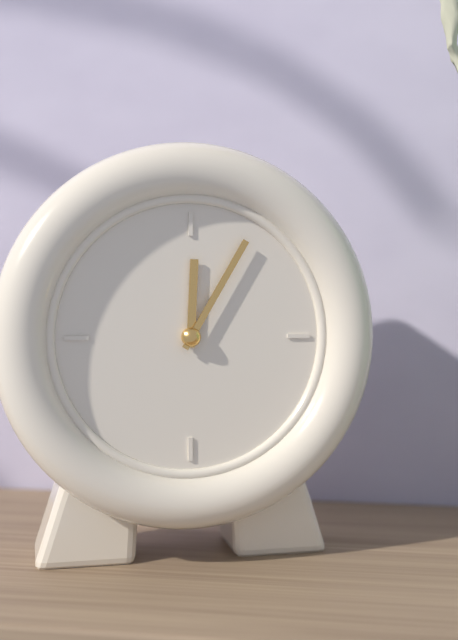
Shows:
12:05
